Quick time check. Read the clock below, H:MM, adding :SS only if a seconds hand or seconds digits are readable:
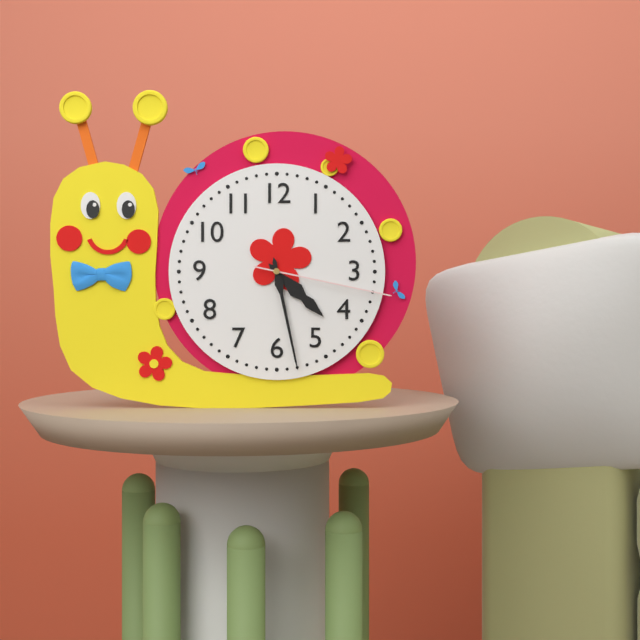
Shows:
4:28:17
